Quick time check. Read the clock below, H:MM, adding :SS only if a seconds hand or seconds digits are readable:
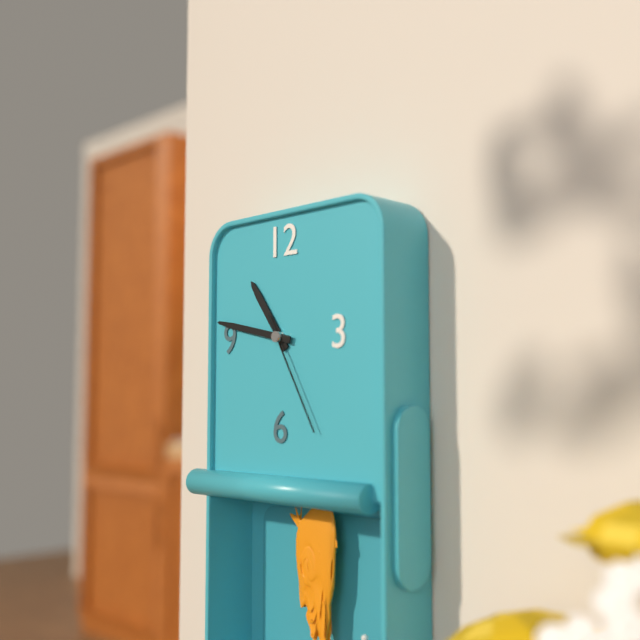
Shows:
10:47:25
